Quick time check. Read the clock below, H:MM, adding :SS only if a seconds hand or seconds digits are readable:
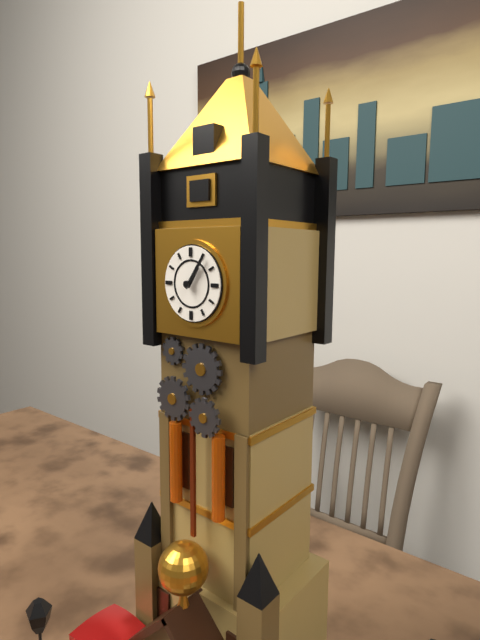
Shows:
1:06
